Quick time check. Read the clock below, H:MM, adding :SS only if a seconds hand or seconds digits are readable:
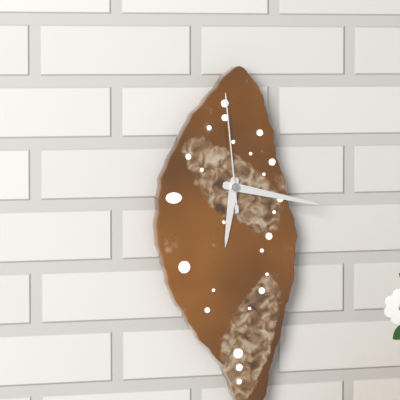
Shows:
6:17:59
